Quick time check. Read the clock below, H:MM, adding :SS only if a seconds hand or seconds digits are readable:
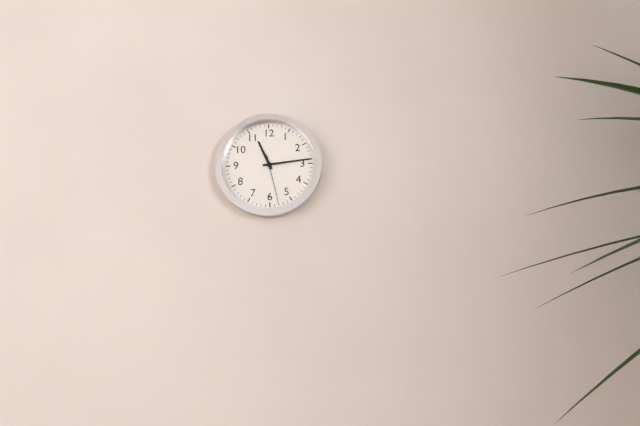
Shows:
11:14:28
